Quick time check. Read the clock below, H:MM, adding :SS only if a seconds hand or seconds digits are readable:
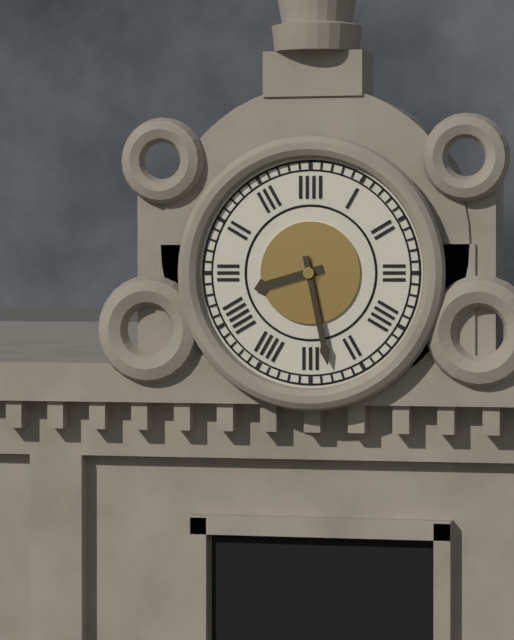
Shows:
8:28
